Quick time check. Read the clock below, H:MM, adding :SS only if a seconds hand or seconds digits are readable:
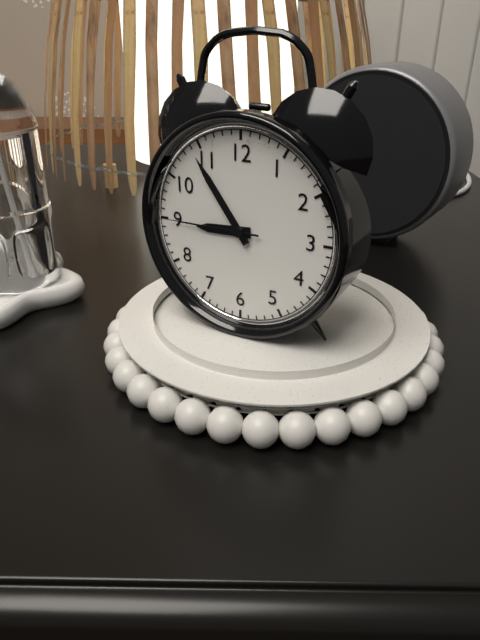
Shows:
8:54:45
